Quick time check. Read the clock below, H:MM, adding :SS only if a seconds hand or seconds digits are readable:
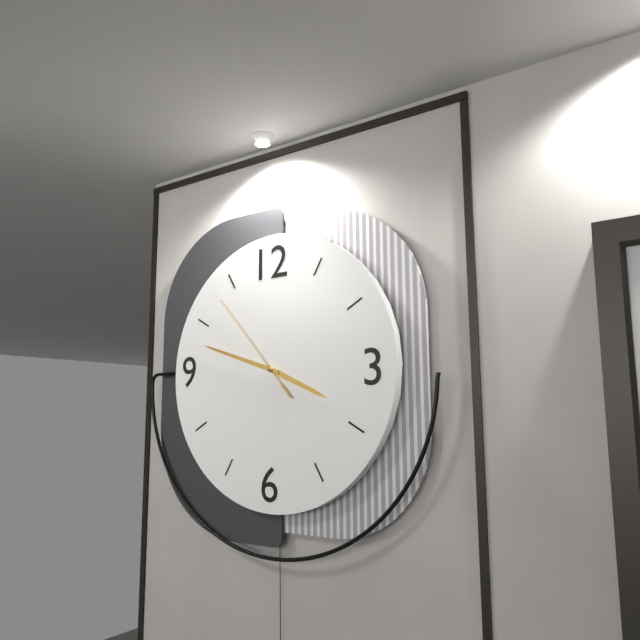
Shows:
3:48:53
